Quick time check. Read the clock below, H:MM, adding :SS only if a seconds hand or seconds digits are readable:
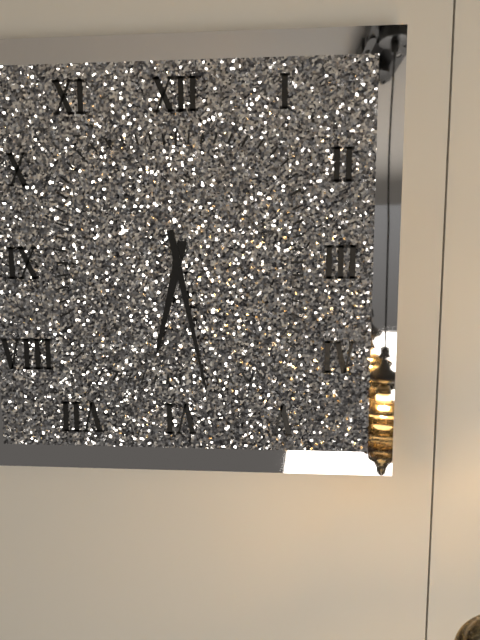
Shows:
6:28
